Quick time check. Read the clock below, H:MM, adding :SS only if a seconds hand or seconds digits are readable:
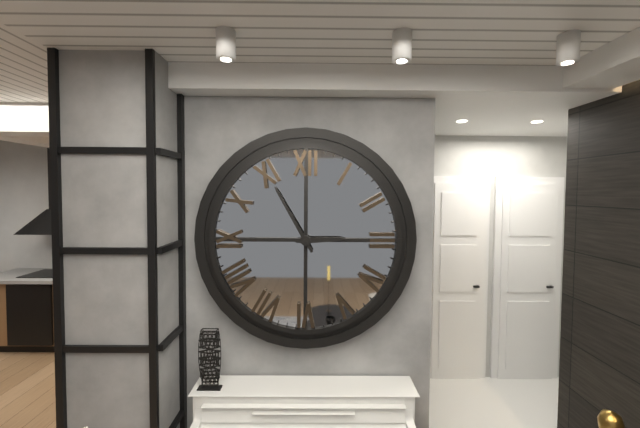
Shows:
2:55
